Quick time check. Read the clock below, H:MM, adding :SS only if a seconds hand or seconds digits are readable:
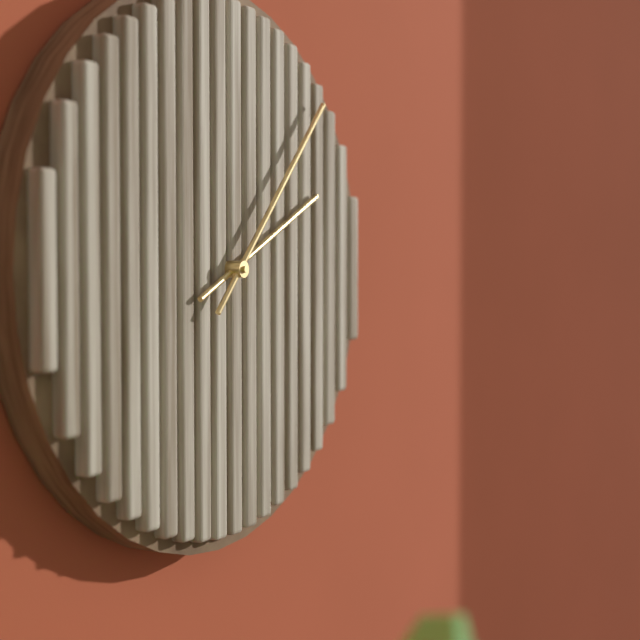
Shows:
2:07
